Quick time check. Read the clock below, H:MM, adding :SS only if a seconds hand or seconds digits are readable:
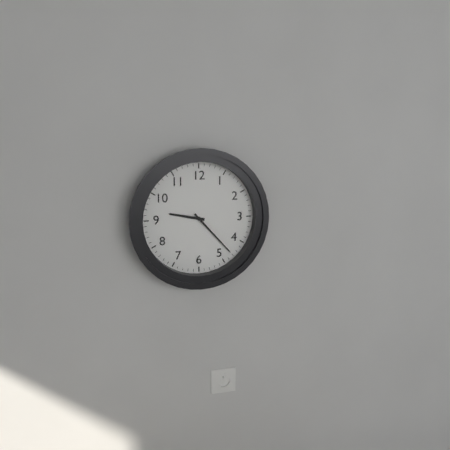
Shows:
9:23
